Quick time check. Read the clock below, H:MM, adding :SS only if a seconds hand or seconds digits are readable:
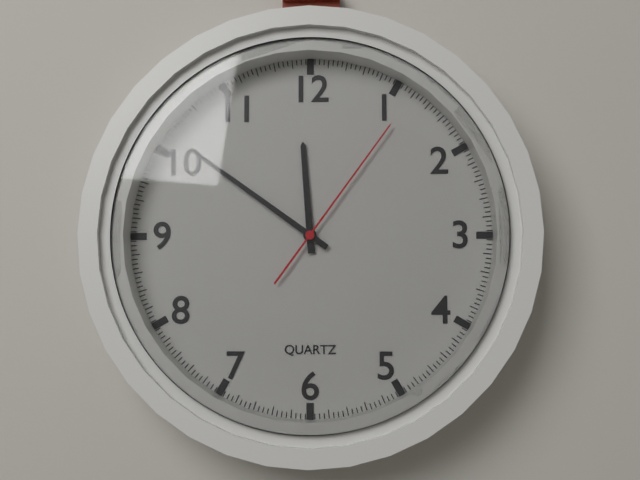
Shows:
11:51:06
